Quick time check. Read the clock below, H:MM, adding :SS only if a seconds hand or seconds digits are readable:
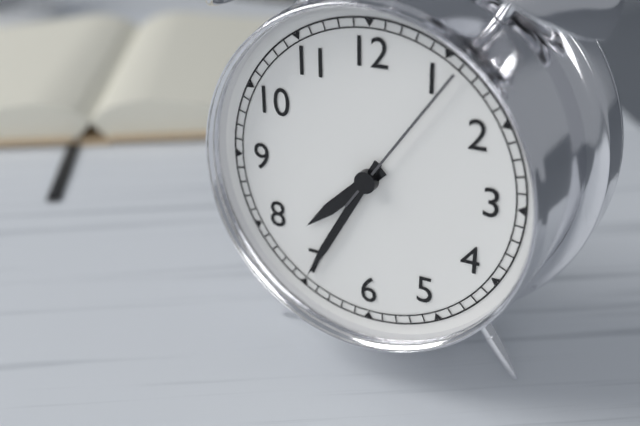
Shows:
7:35:06
